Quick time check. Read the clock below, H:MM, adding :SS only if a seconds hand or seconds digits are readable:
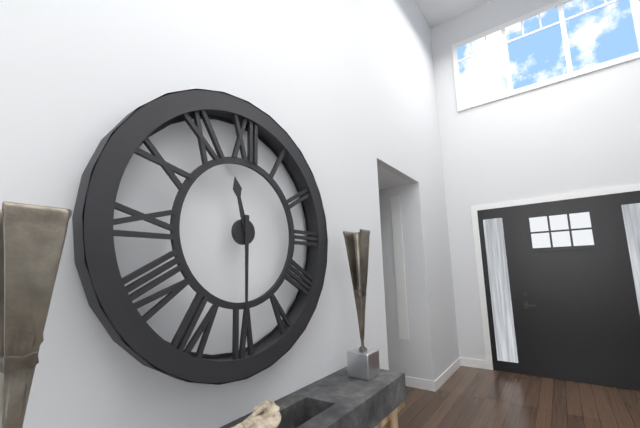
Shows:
11:30
